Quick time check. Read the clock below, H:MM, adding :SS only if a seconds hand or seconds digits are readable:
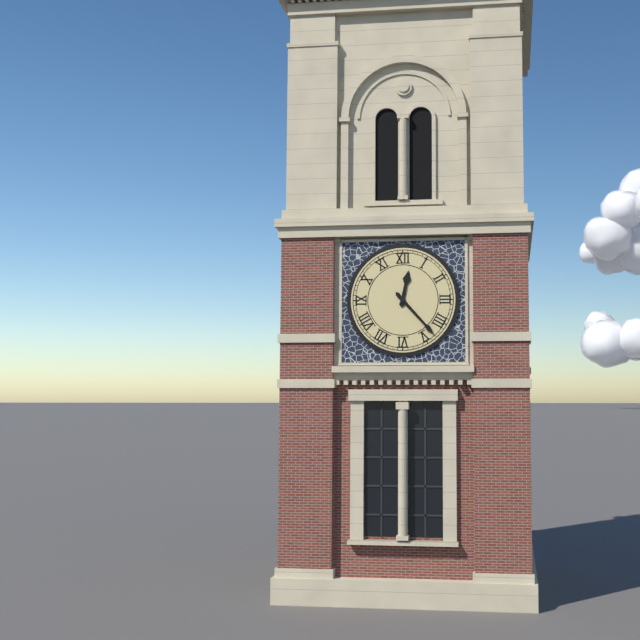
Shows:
12:23
